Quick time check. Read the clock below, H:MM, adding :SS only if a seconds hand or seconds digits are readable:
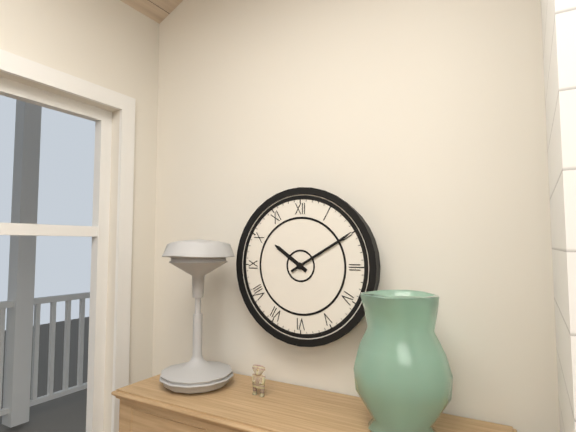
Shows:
10:10
